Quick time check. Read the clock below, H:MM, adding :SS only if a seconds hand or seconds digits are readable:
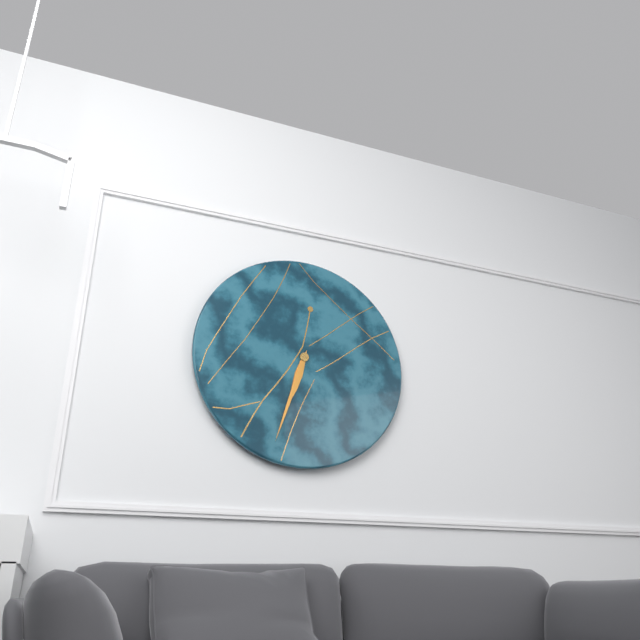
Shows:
6:33
